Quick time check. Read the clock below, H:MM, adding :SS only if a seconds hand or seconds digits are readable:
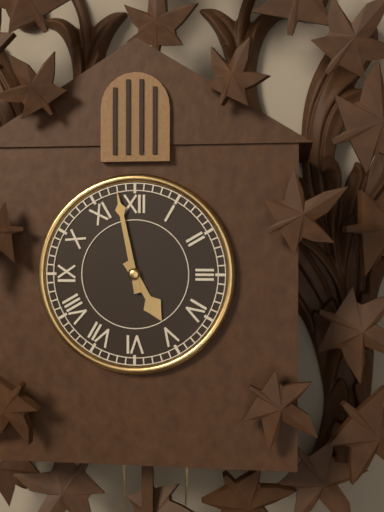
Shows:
4:58
